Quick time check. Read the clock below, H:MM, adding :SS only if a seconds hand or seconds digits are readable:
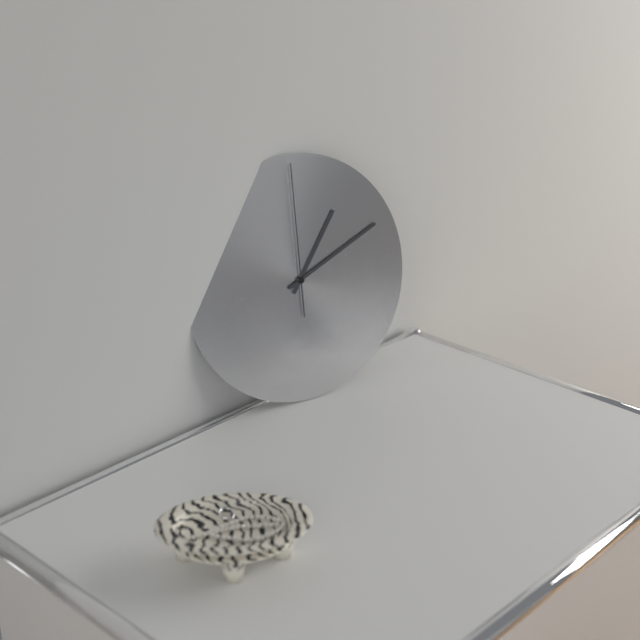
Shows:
1:11:00
